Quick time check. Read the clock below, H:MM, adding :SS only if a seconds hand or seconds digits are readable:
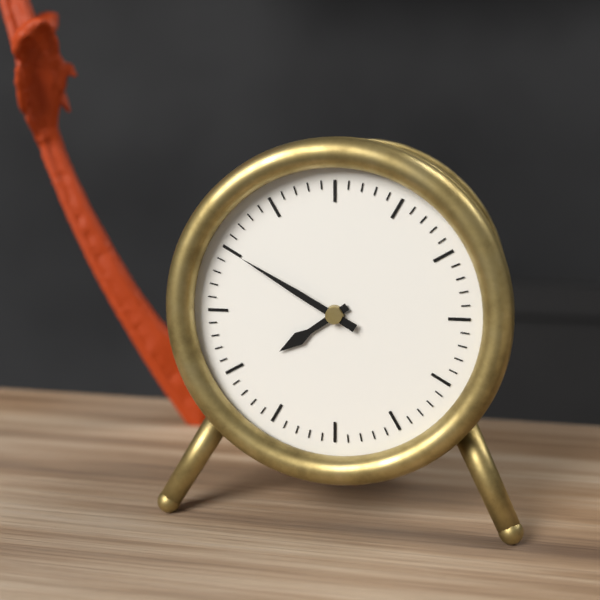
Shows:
7:50
